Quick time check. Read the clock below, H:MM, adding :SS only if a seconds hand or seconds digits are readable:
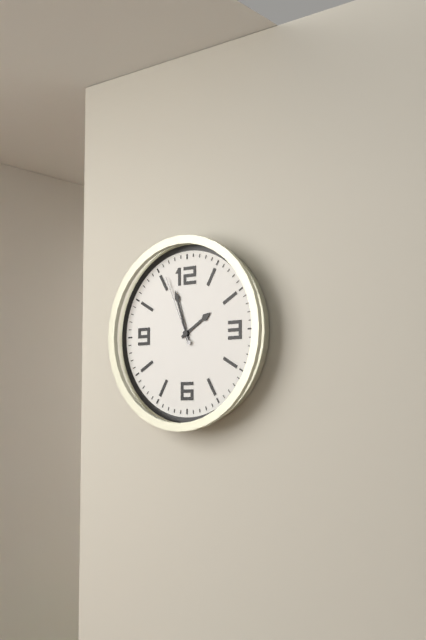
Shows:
1:57:56
